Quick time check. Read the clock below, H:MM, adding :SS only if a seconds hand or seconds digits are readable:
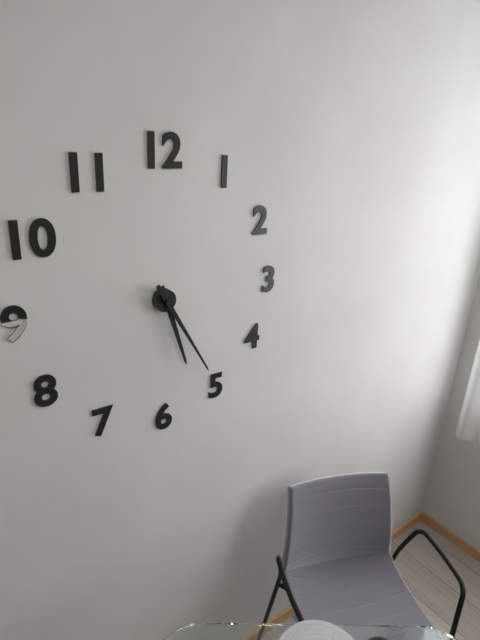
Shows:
5:25
